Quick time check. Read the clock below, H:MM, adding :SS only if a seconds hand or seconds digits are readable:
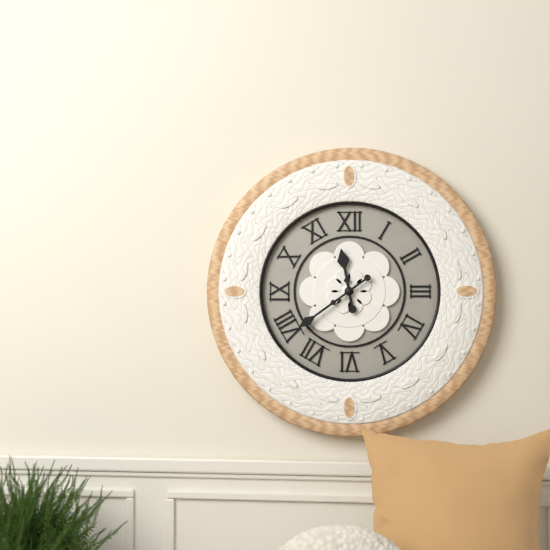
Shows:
11:39
